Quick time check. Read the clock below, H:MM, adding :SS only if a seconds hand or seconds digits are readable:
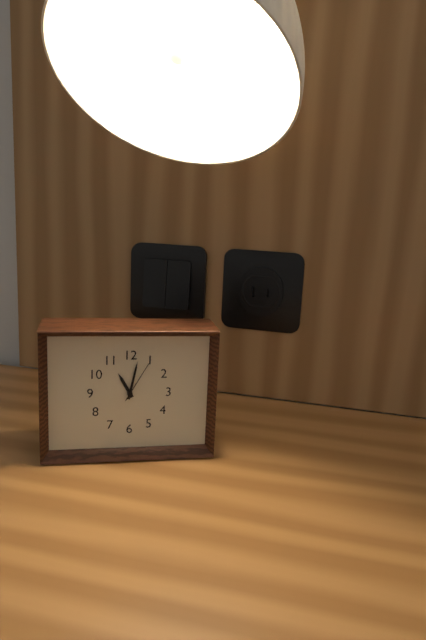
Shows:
11:02
